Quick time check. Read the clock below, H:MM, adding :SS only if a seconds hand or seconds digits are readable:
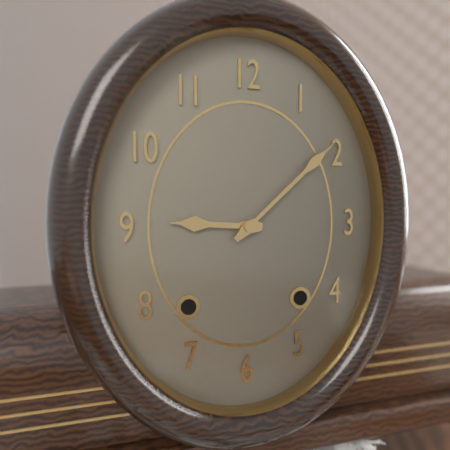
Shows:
9:08
